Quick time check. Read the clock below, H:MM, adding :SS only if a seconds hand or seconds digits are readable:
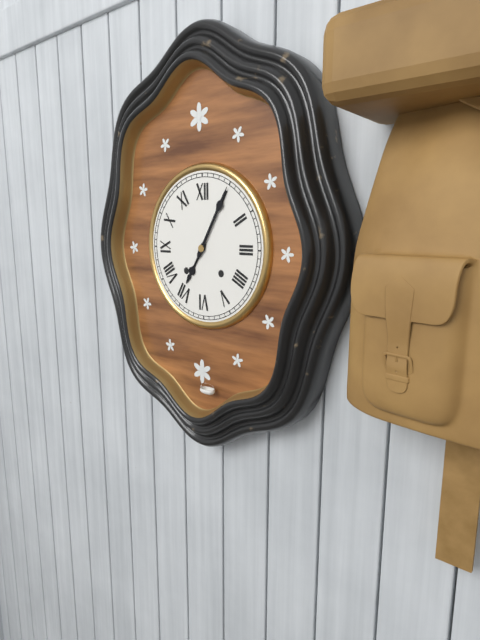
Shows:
7:05
